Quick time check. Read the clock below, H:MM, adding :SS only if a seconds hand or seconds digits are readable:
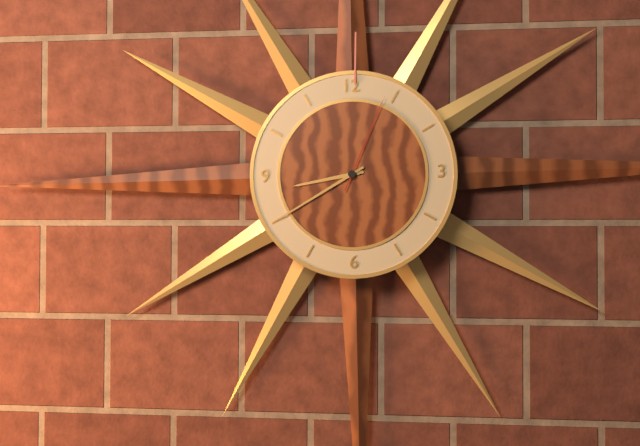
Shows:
8:40:04
